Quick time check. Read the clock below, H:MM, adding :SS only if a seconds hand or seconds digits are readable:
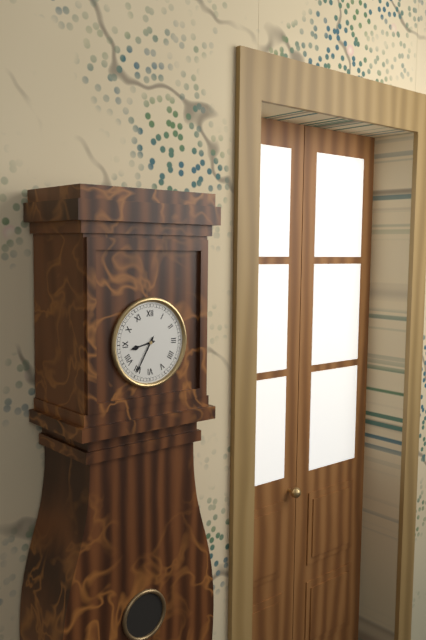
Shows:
8:35
